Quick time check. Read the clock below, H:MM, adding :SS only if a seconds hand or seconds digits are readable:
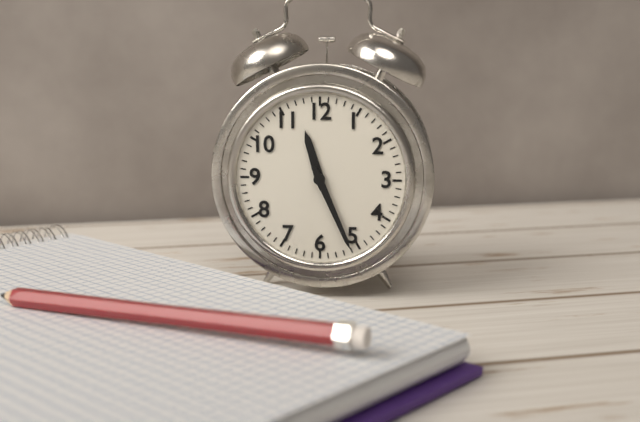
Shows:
11:26
